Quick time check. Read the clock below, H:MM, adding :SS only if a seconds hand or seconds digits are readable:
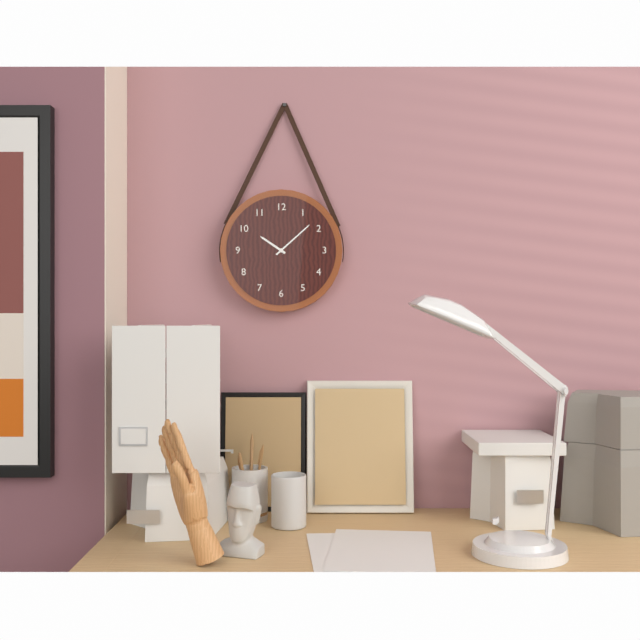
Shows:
10:08
